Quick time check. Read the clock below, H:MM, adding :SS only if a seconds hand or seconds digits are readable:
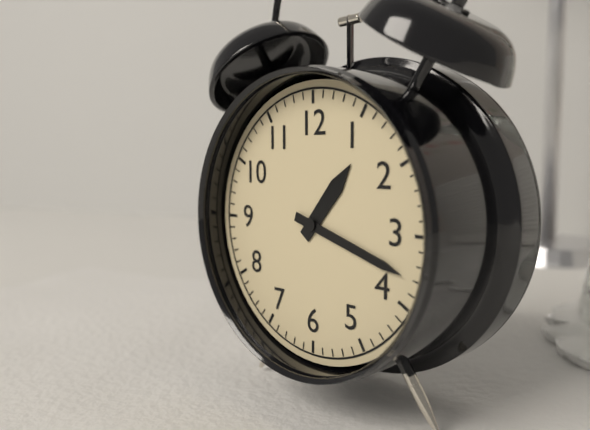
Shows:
1:18
